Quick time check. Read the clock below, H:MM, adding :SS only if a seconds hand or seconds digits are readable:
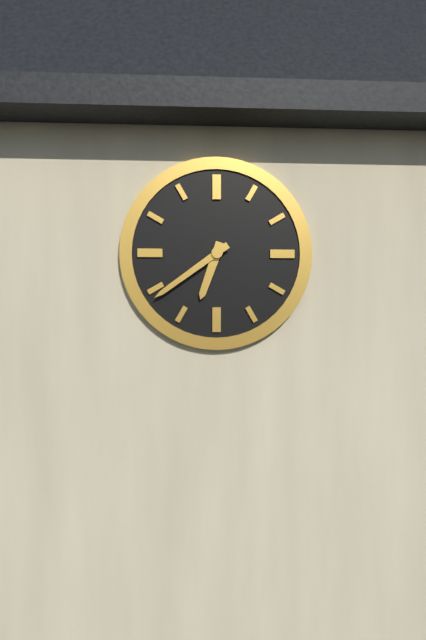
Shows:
6:39
